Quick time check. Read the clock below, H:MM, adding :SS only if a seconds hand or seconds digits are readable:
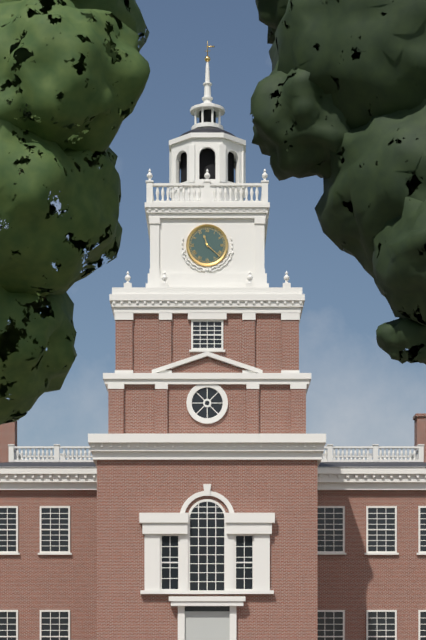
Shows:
11:22
